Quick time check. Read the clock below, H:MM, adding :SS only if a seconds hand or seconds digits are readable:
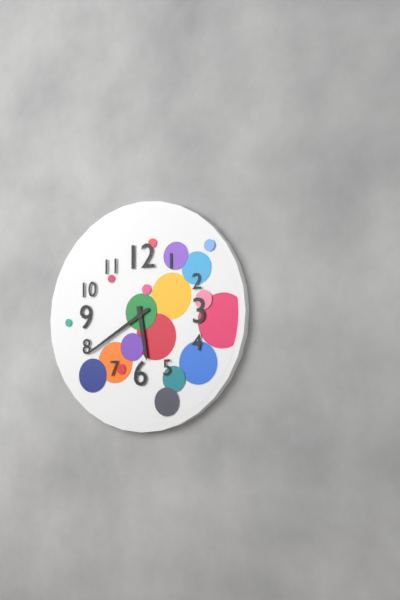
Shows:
5:40
